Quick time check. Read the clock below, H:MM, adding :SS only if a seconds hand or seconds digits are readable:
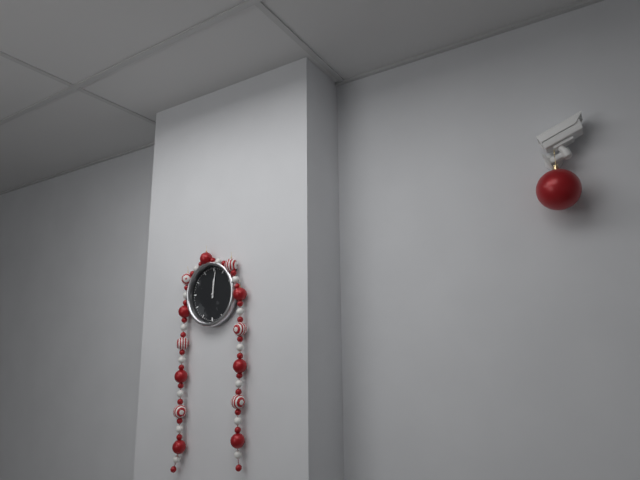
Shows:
12:01
